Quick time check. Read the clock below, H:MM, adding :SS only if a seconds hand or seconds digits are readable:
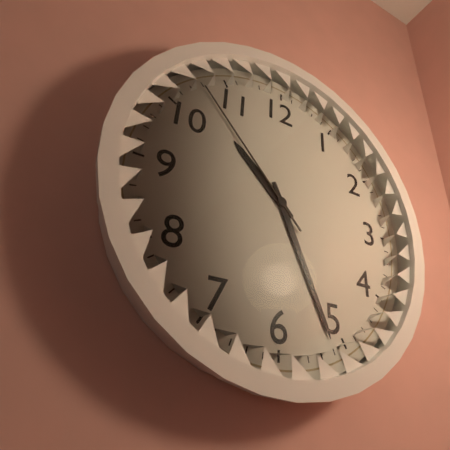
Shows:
10:26:53
